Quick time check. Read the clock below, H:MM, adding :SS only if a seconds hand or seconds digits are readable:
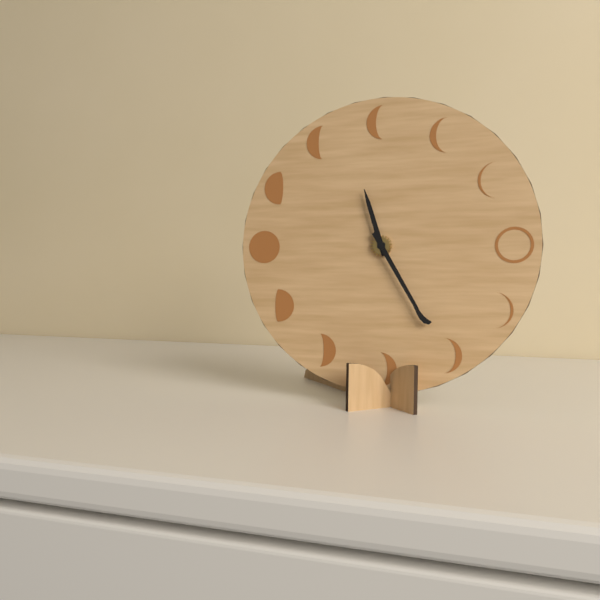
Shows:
11:25
